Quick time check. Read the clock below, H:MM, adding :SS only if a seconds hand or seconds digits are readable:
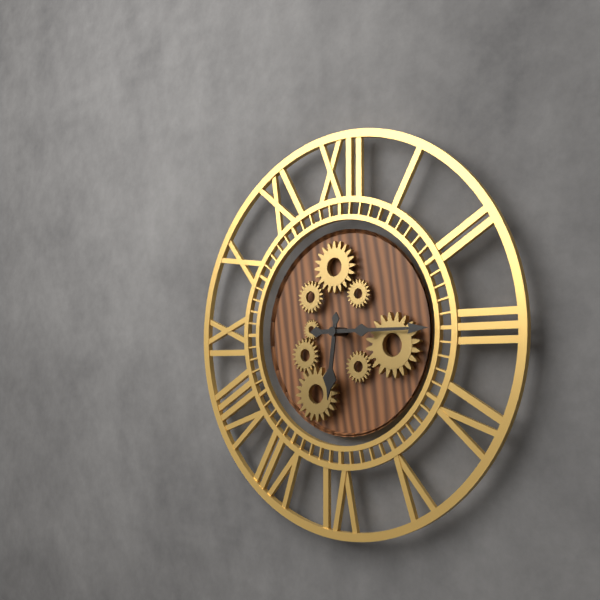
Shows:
6:15
